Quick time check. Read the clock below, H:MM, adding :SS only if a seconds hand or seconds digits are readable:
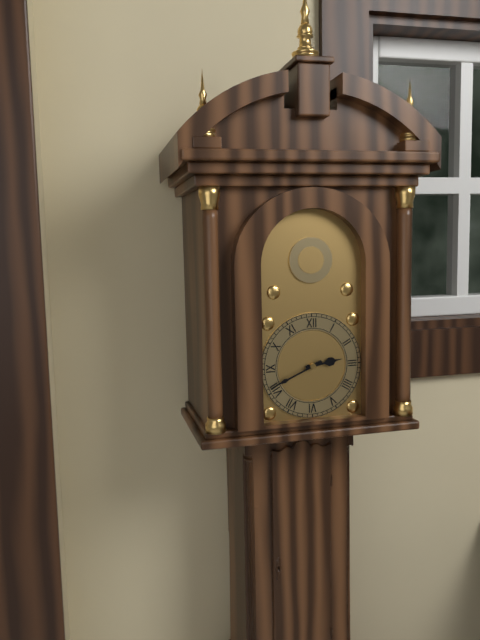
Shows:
2:41
